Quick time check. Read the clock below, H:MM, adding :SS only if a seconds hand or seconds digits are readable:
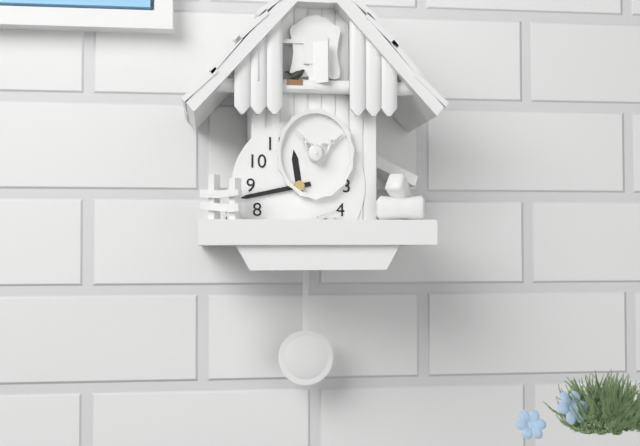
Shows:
11:43
